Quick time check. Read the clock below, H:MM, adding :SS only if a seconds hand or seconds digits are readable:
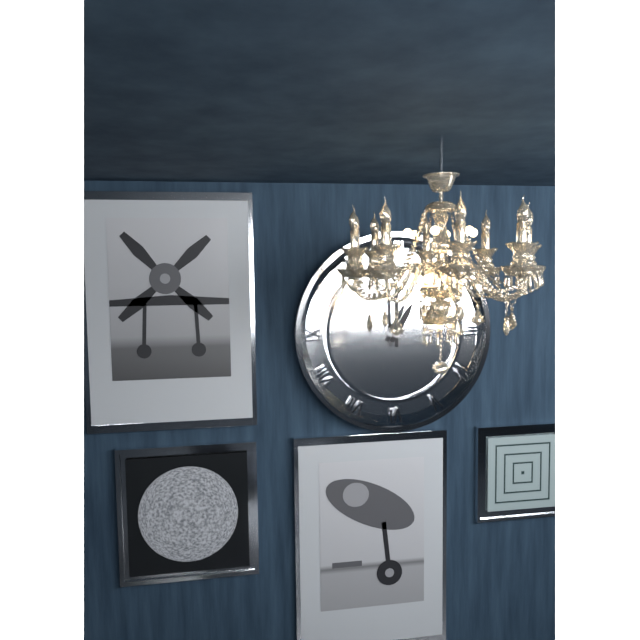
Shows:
1:00
